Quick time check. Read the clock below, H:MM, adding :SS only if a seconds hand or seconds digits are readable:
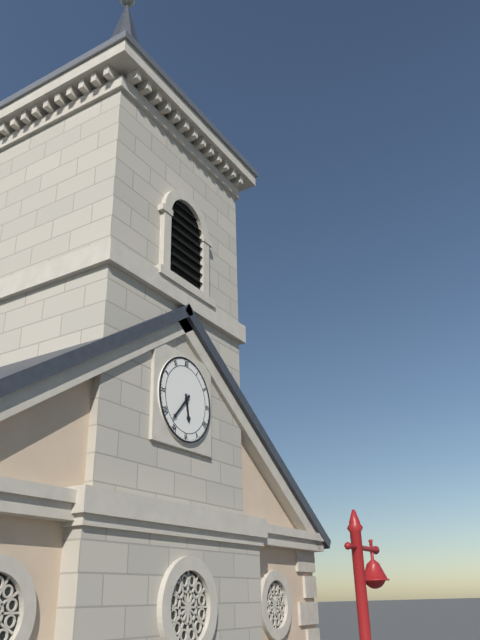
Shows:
5:37
